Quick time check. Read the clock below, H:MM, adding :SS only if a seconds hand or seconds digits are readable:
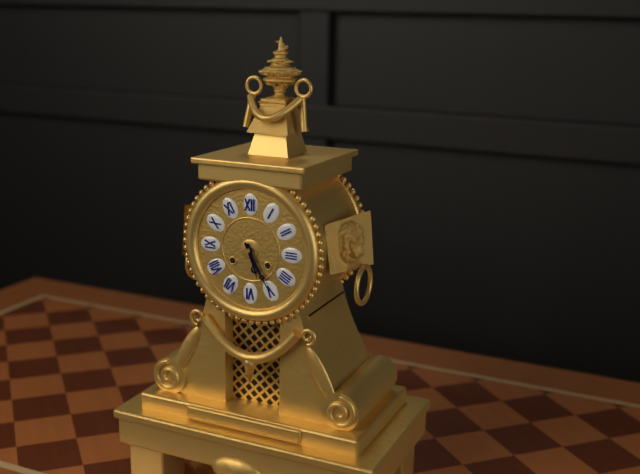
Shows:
5:25
